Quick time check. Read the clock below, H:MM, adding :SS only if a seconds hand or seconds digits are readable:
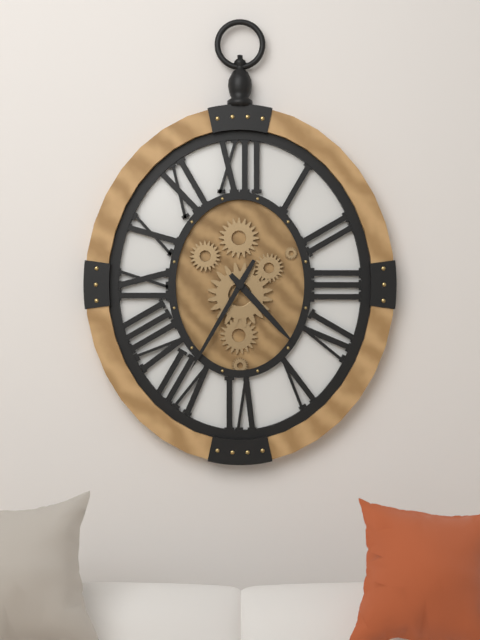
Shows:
4:35
